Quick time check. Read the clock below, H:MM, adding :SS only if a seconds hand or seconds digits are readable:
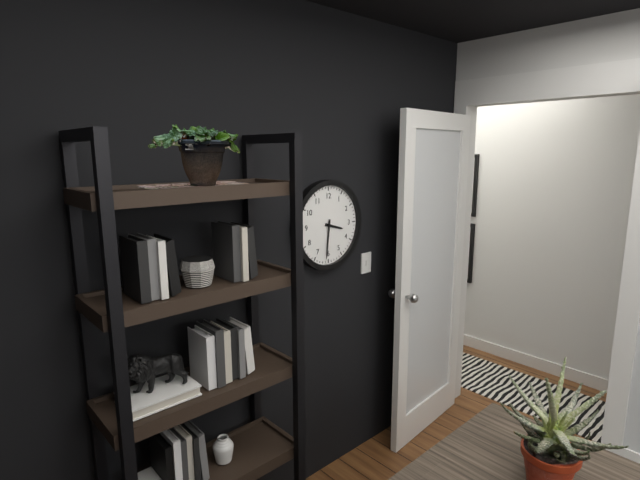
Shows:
3:31
